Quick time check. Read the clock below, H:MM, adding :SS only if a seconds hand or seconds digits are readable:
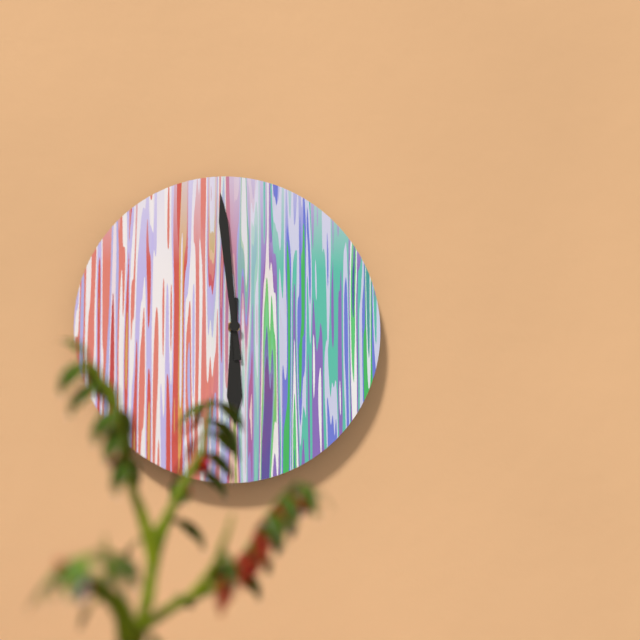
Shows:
5:59
